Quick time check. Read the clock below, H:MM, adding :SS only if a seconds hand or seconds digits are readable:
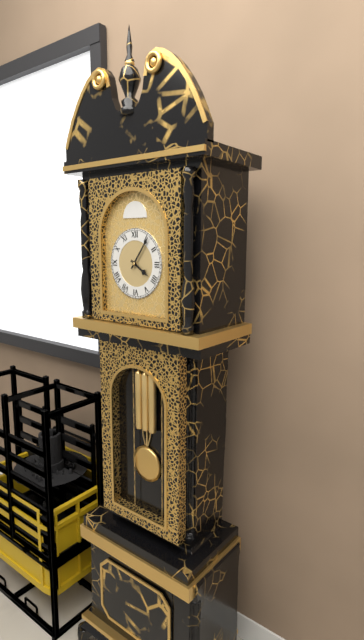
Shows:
4:06
